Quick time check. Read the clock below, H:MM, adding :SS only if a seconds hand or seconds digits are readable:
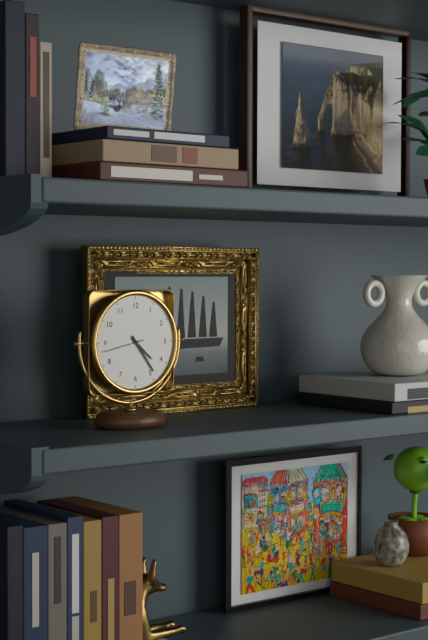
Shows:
4:24
